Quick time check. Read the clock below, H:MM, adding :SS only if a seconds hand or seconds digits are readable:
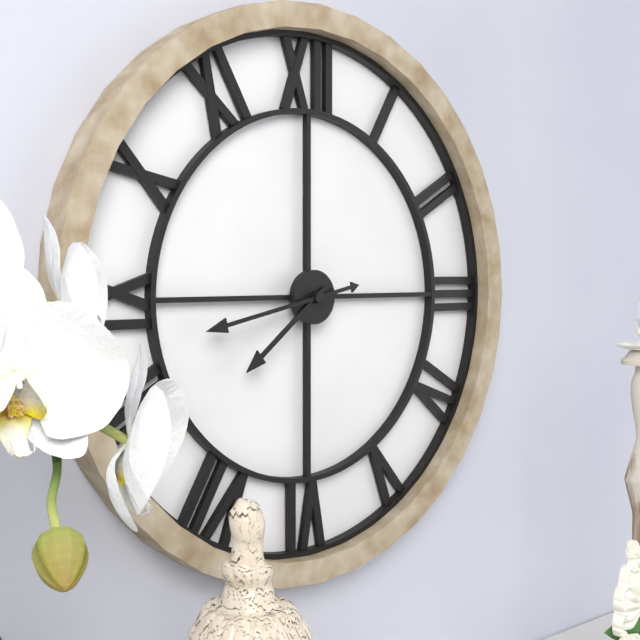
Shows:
7:43
